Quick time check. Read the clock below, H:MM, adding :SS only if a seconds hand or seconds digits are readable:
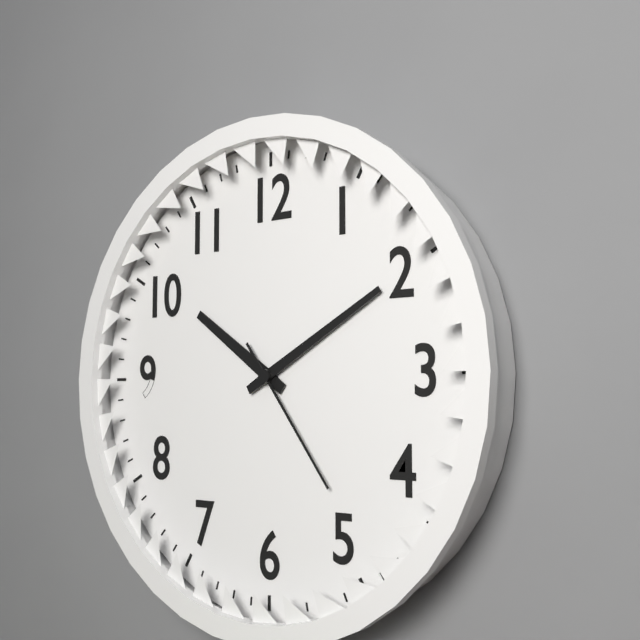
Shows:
10:10:24
